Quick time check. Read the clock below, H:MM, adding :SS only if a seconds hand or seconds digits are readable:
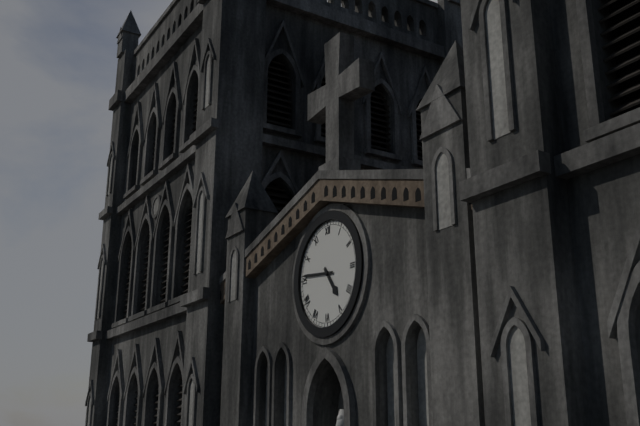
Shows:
4:46
